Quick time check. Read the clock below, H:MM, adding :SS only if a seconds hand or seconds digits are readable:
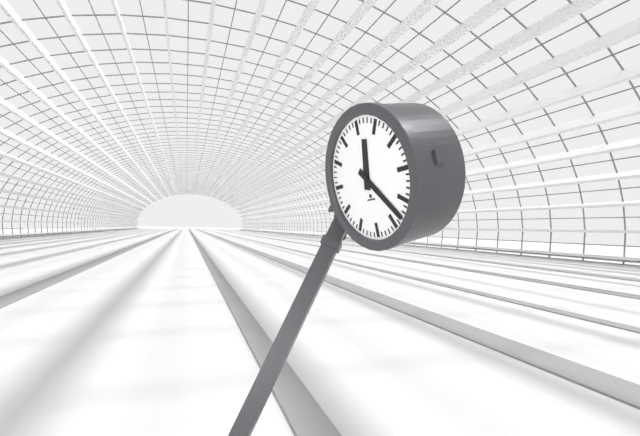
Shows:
12:23
